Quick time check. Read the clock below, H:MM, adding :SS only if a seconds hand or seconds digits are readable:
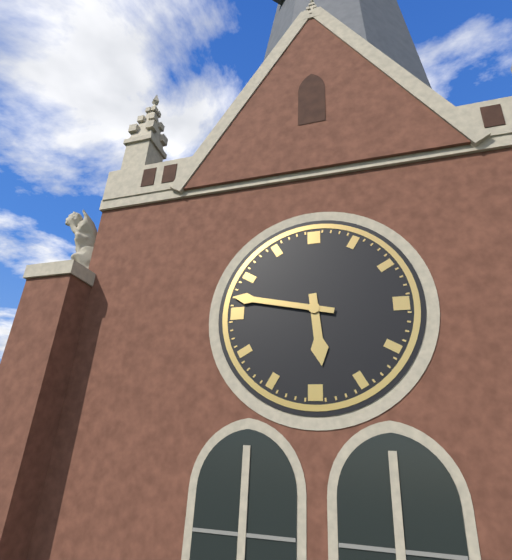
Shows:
5:47
